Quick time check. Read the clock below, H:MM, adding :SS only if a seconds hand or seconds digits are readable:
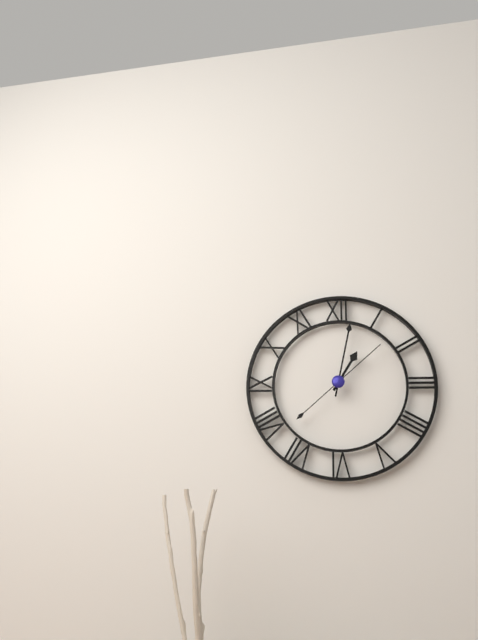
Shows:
1:02:08
